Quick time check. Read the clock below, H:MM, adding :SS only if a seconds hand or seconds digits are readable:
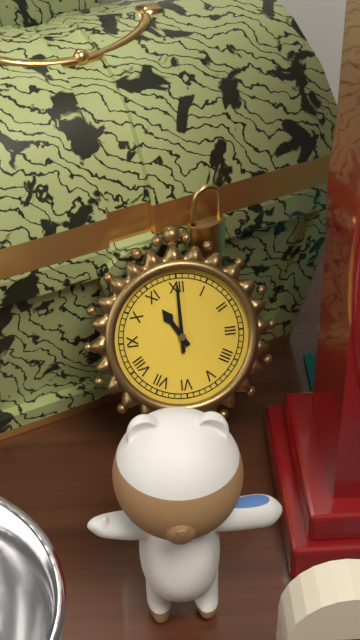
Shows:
11:00
